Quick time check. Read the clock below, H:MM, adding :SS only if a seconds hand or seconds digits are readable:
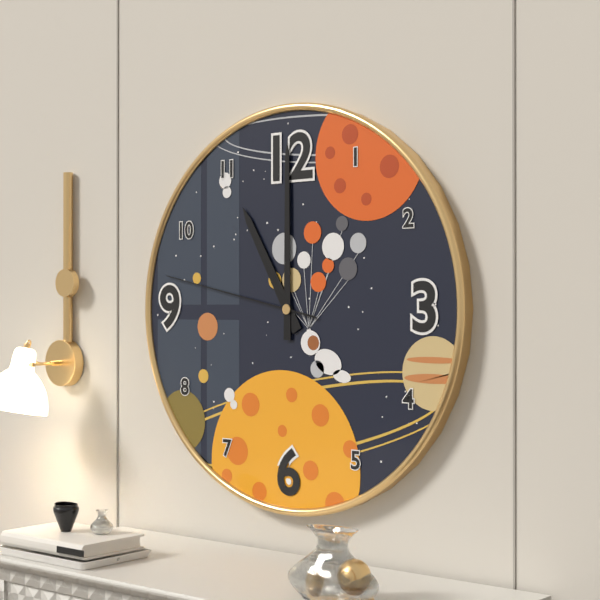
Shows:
11:00:47
